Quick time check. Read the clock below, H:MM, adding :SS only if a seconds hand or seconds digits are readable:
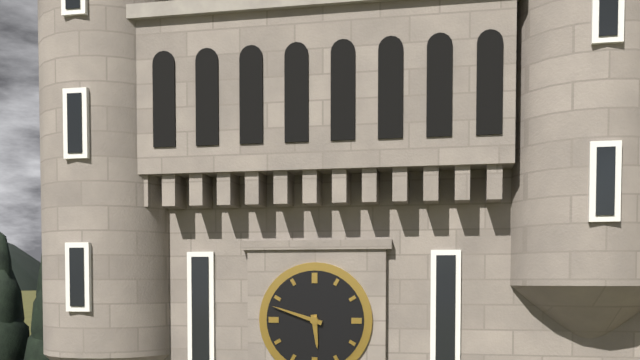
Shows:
5:48
